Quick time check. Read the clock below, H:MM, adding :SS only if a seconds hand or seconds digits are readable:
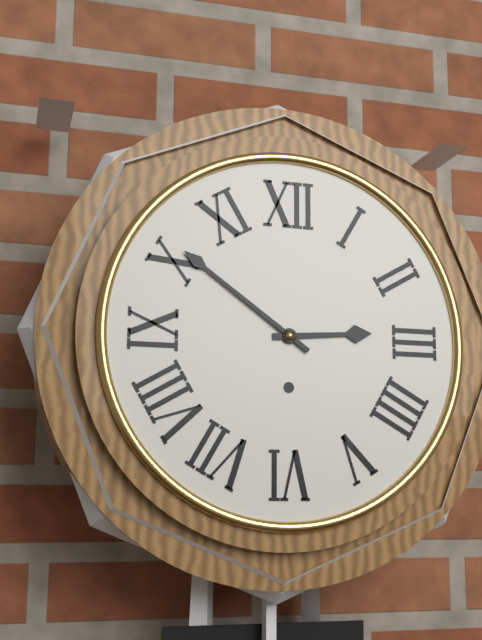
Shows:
2:51
